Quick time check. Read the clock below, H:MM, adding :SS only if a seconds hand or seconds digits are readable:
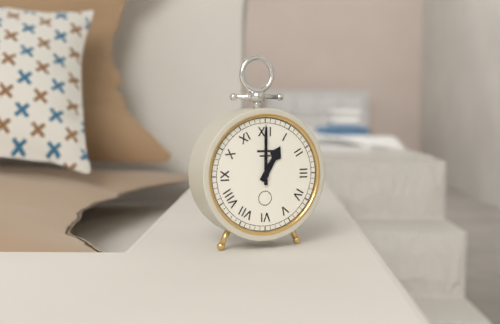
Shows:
1:00
